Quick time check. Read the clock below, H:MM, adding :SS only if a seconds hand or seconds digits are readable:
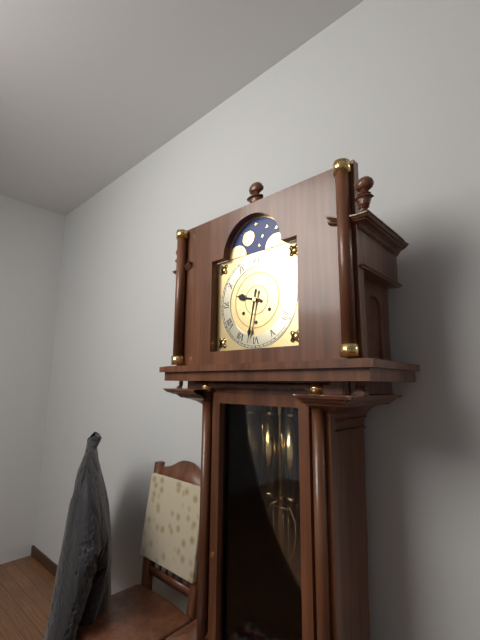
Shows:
9:32
